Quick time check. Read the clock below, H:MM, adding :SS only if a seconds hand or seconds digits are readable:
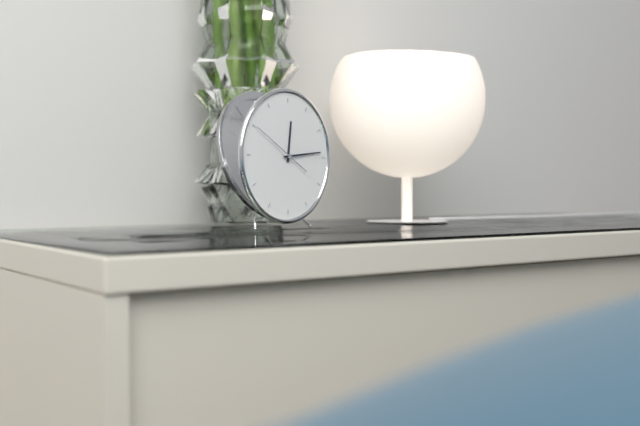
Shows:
12:14:50
